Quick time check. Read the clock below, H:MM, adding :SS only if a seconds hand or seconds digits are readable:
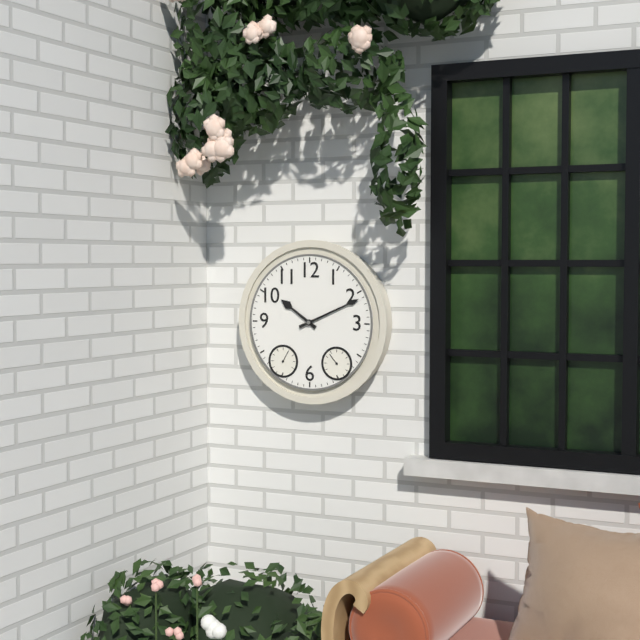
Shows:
10:11
